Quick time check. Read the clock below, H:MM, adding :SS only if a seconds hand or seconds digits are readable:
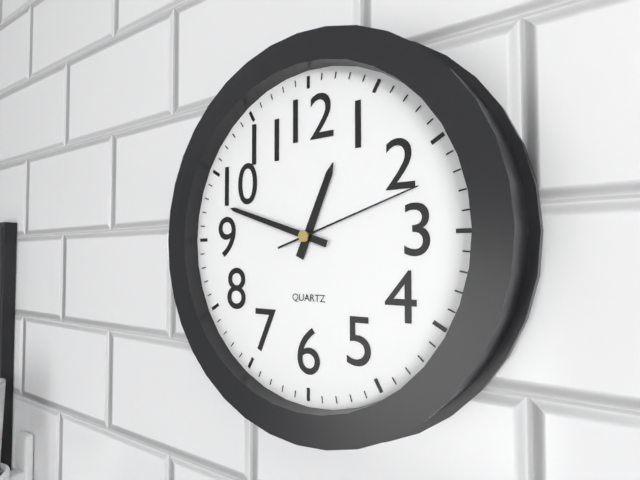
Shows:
12:48:12
